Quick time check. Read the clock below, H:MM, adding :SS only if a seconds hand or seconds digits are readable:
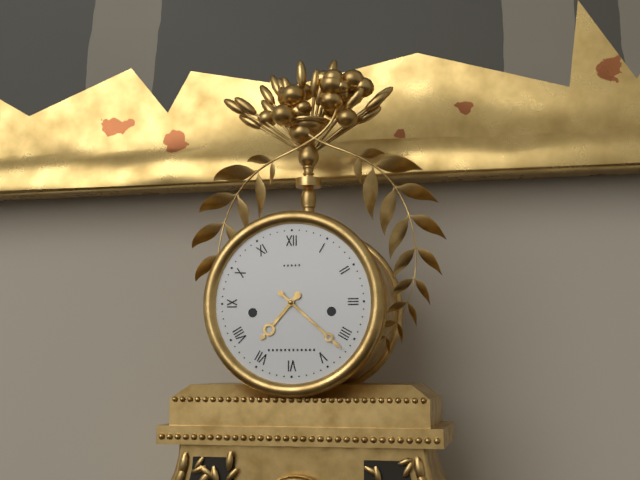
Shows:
7:22
